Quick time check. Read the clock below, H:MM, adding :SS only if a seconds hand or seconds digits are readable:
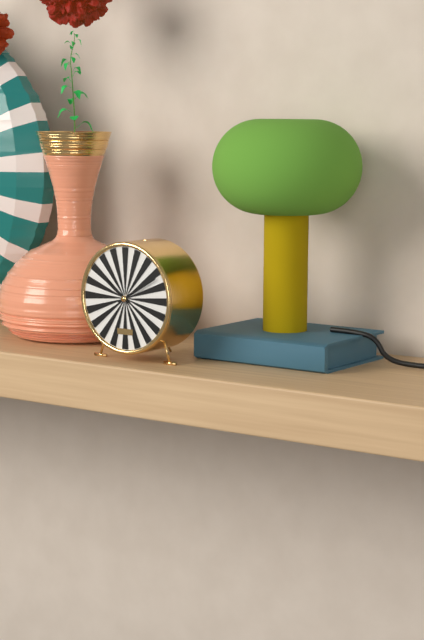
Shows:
10:10
